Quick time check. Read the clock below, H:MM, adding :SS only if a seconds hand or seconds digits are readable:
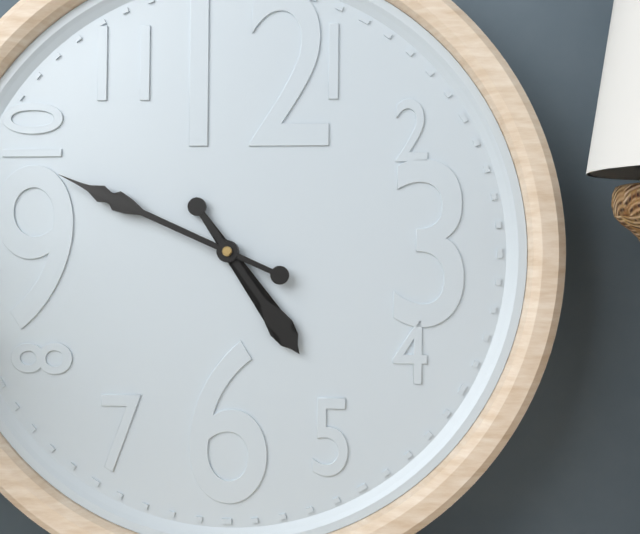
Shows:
4:49
